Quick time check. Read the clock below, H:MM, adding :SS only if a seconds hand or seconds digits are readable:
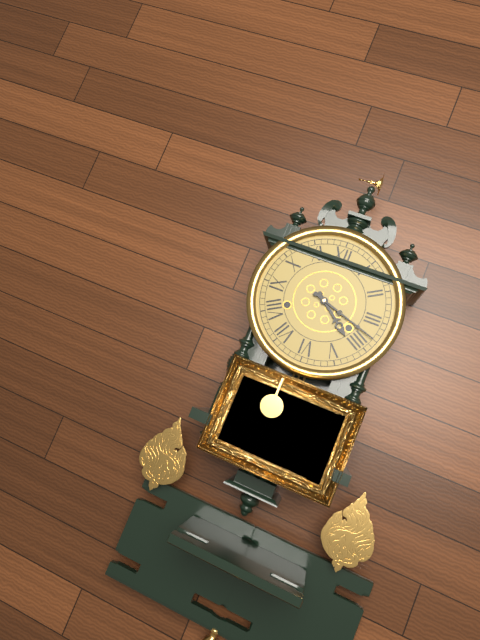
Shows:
4:18
